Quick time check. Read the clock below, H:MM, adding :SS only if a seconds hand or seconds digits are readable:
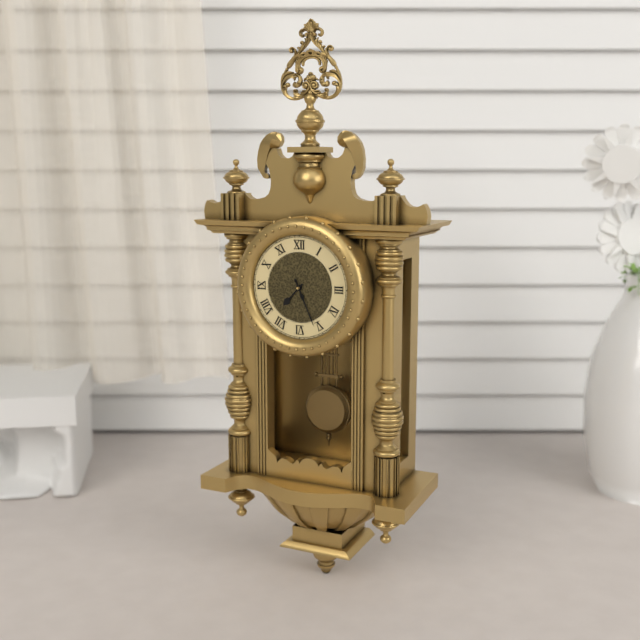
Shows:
7:26
